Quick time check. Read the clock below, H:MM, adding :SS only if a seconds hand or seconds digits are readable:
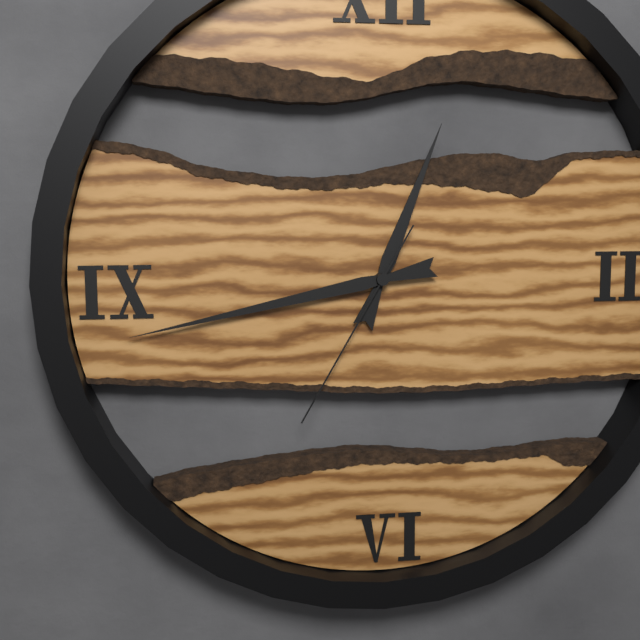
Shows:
12:43:35
